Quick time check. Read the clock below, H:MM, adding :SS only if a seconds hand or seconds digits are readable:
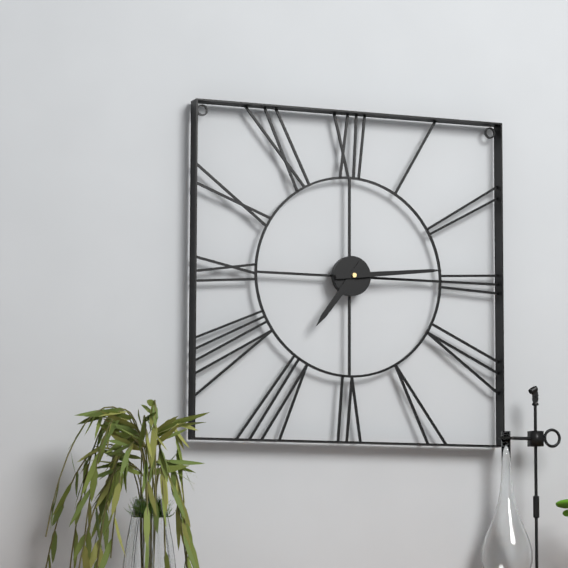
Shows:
7:14
